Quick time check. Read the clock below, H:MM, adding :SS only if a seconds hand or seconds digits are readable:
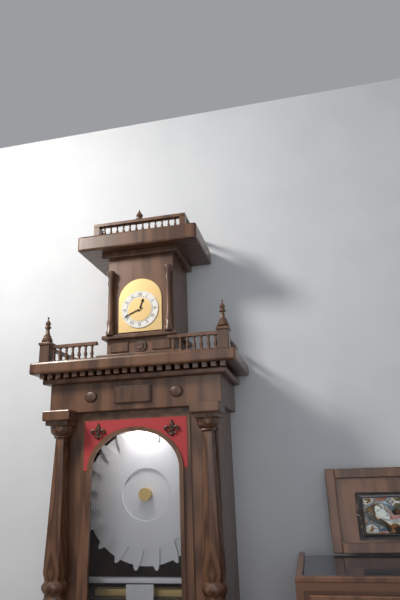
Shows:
12:41
